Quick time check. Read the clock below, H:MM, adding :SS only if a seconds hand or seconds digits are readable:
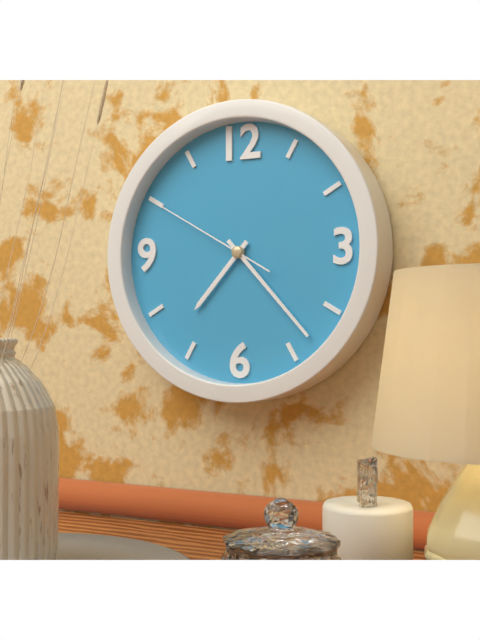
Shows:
7:23:50
